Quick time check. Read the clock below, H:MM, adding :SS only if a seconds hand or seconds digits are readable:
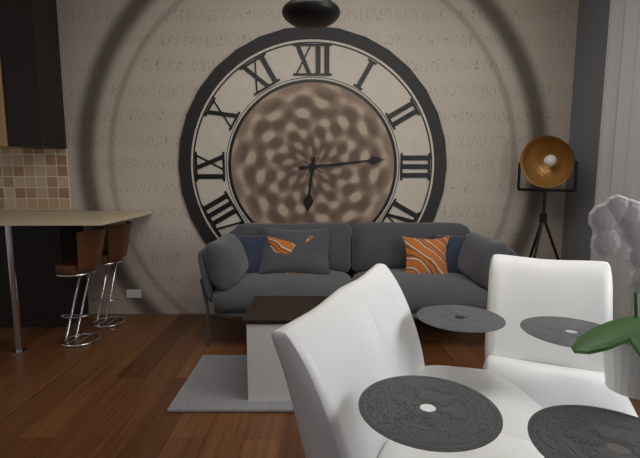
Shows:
6:14
